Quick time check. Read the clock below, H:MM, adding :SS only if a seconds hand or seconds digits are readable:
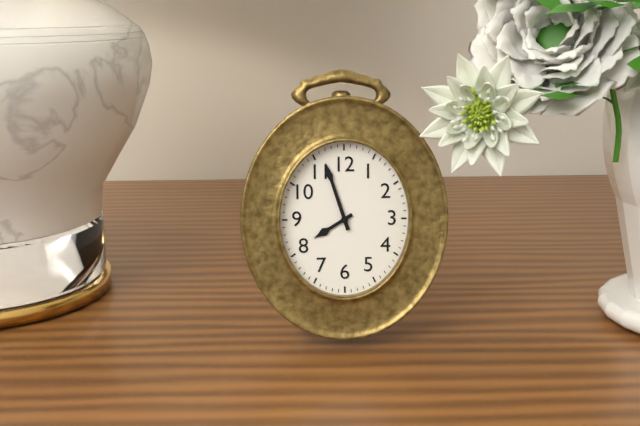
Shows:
7:57
